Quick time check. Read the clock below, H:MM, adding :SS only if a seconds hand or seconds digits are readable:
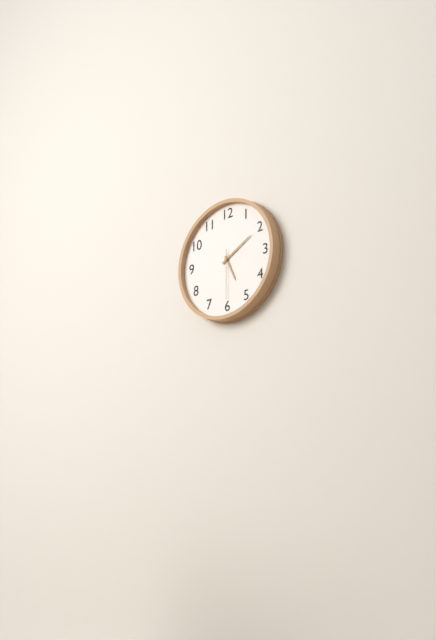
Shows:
5:10
